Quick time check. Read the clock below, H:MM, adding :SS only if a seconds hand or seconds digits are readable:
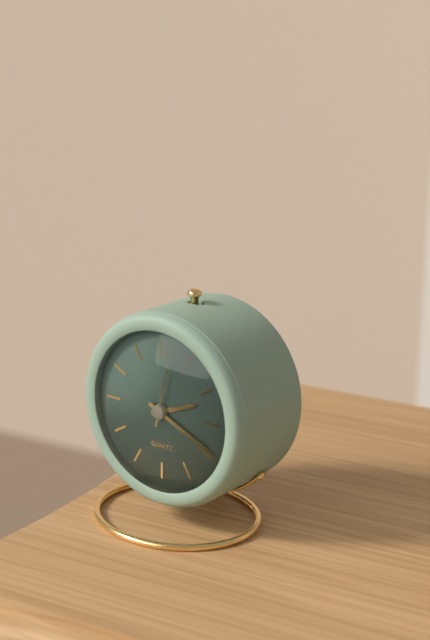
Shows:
2:19:02
